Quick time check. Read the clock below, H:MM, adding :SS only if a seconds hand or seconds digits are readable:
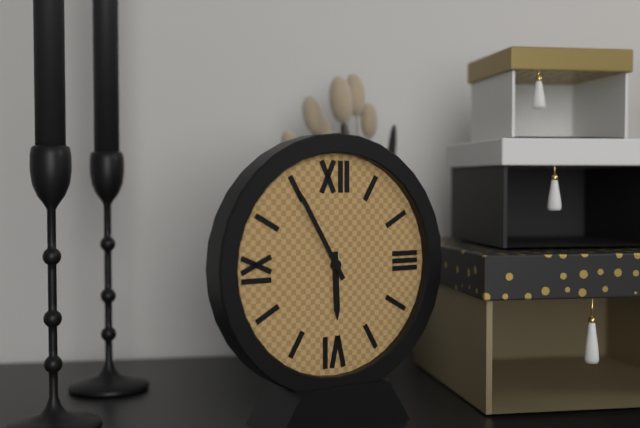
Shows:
5:55
